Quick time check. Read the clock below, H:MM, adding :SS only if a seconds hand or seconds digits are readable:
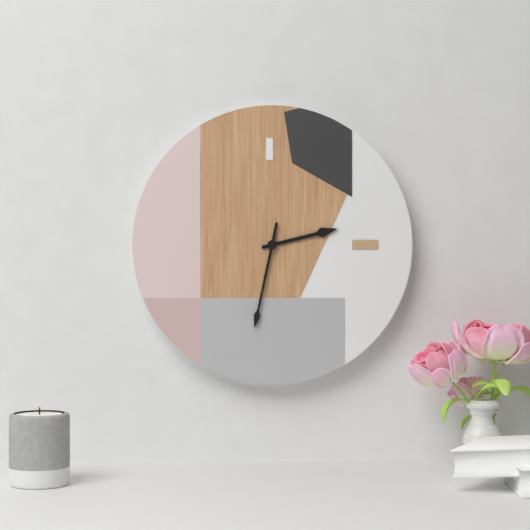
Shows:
2:32
